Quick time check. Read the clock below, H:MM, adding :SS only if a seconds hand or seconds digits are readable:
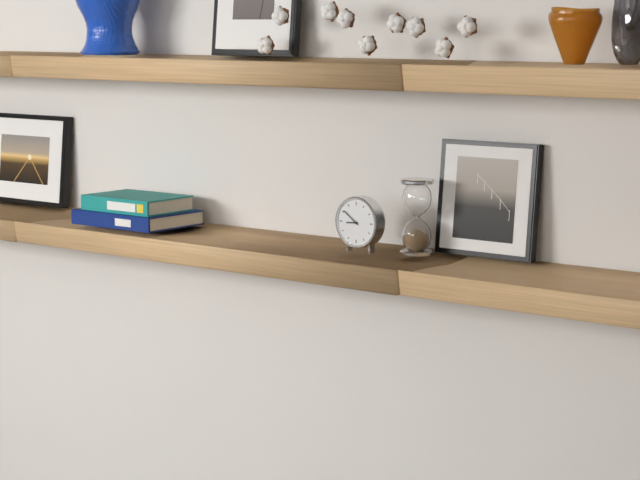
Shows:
8:51
